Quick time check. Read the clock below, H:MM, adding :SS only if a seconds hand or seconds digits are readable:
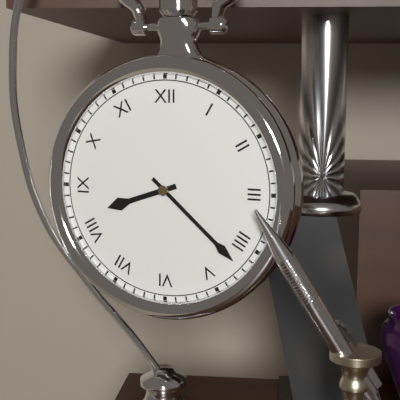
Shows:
8:22
